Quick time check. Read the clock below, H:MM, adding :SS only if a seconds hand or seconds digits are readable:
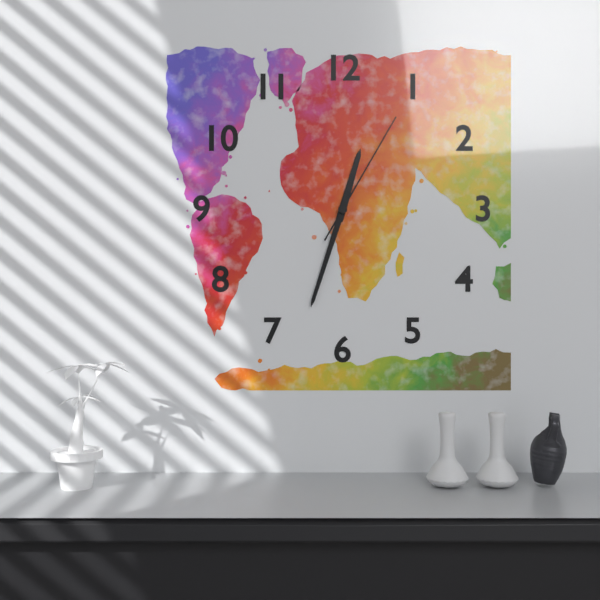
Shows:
12:33:05
